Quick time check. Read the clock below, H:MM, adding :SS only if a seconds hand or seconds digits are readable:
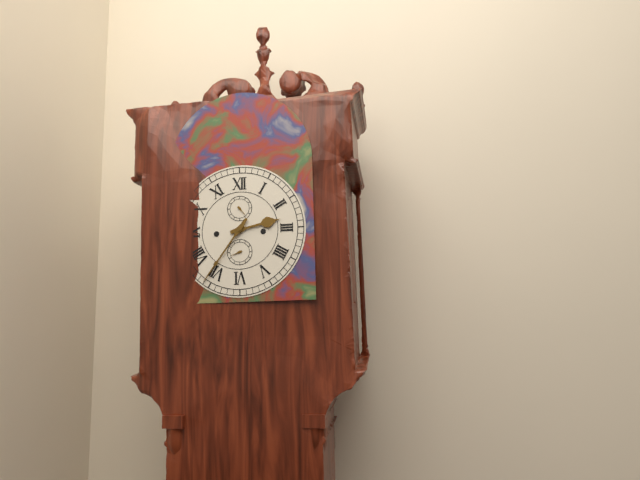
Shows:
2:36
